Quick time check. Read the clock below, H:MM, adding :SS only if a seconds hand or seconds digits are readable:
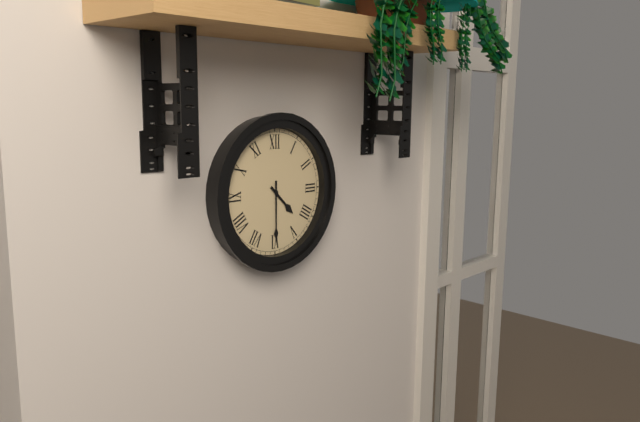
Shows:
4:30
